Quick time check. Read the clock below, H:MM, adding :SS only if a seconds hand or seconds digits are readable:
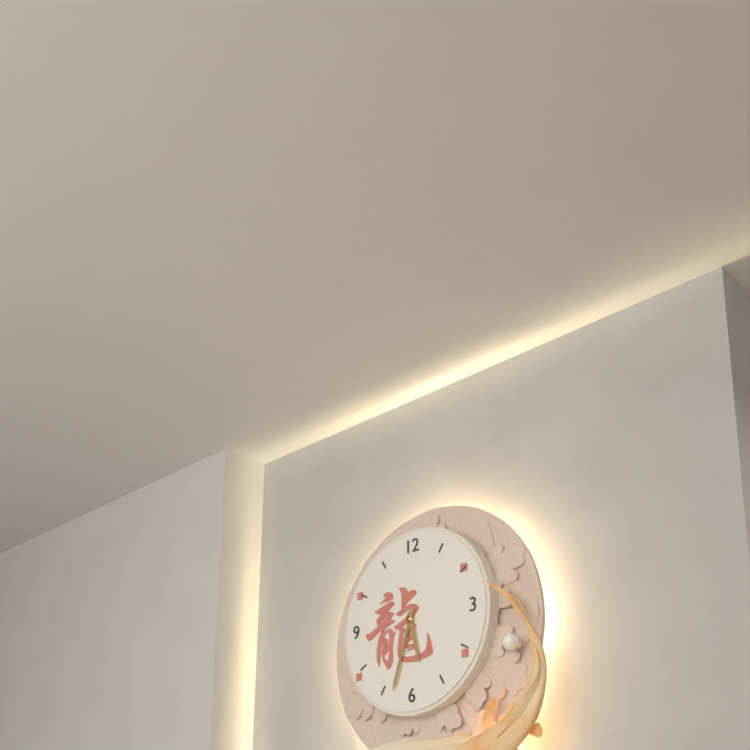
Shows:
5:33
